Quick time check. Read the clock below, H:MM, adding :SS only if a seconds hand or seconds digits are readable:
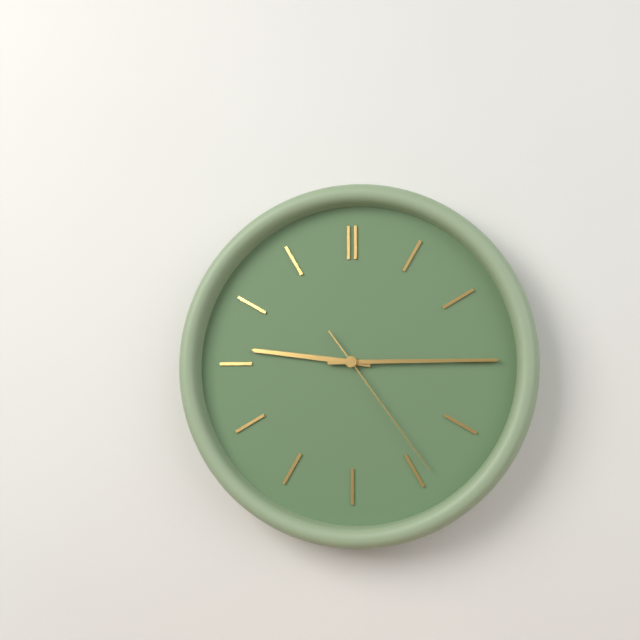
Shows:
9:15:24
